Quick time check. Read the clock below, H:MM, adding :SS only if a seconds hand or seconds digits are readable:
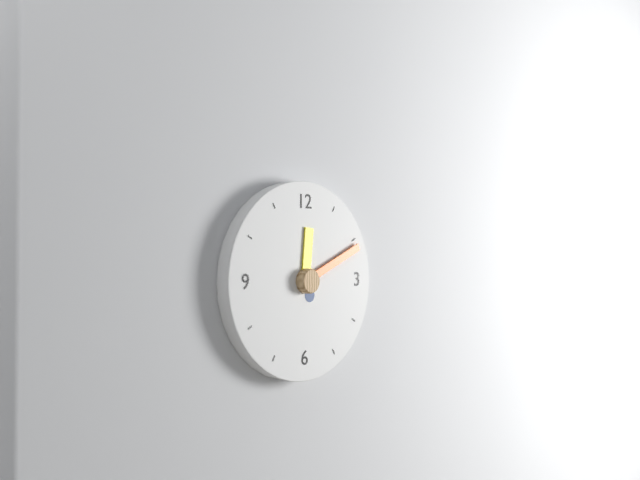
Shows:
12:11
